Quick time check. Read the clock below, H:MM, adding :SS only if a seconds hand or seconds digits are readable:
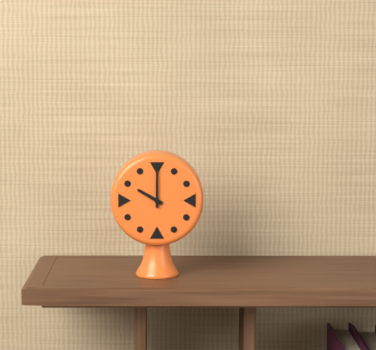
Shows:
10:00
